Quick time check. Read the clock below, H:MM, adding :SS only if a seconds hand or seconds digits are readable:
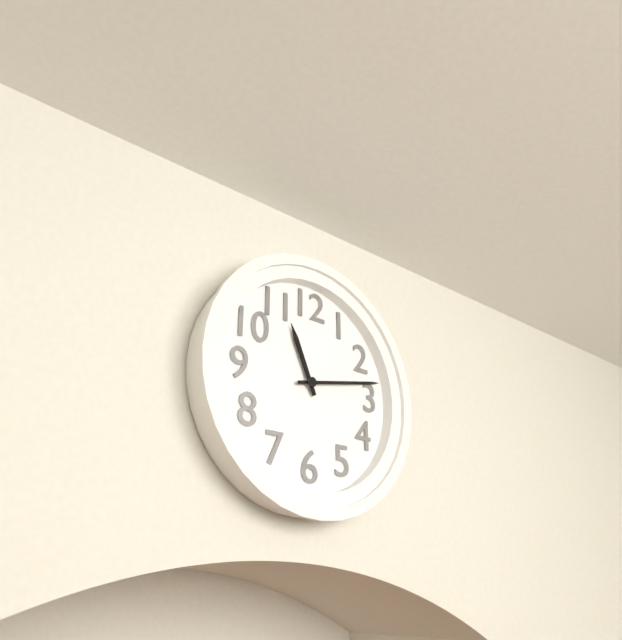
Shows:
11:13
